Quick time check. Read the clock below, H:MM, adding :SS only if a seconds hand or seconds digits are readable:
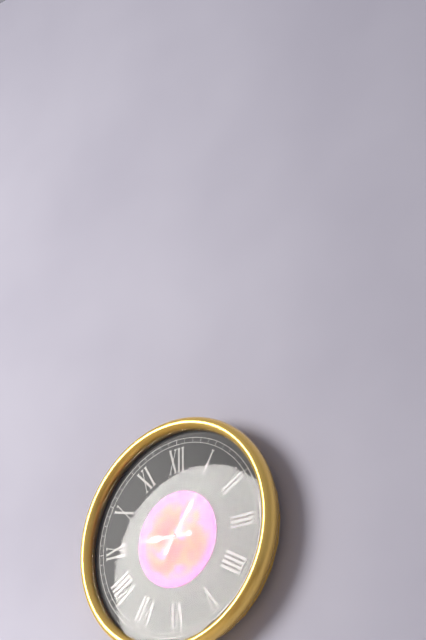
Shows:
9:06:09
